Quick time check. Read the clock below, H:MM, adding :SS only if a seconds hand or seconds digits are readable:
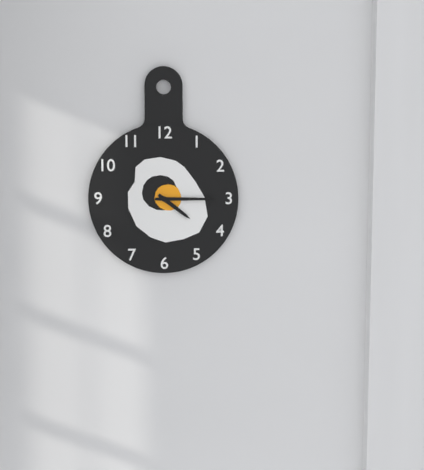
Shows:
4:15
